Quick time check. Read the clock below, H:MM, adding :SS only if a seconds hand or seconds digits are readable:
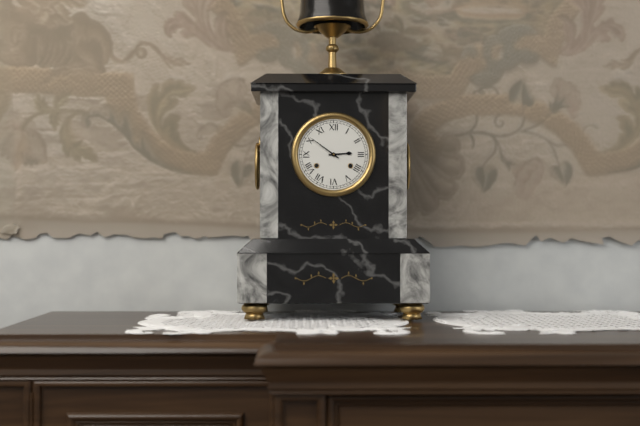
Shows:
2:51
